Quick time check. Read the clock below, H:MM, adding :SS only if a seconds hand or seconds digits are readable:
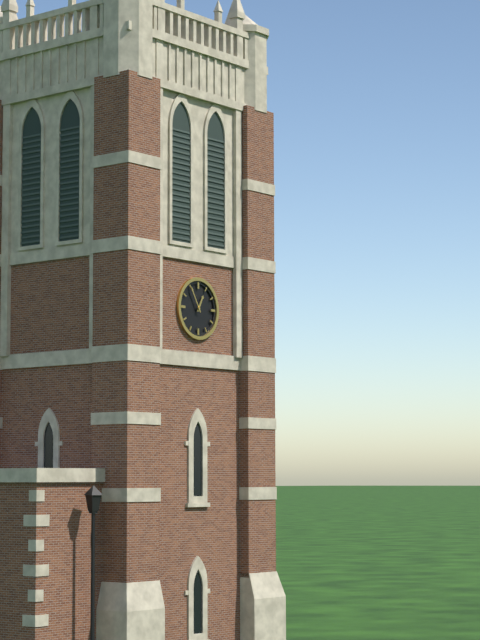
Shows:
12:55
